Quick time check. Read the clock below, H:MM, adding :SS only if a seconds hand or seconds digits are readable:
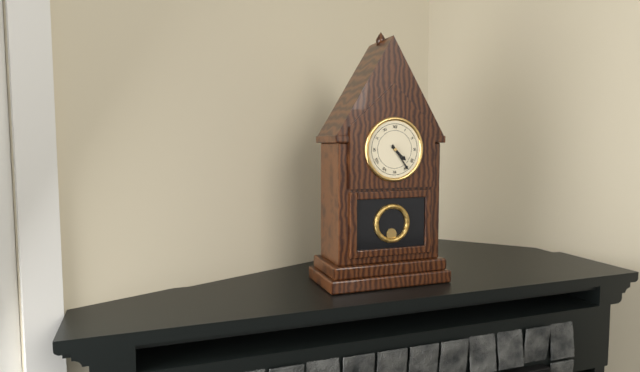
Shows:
4:24
